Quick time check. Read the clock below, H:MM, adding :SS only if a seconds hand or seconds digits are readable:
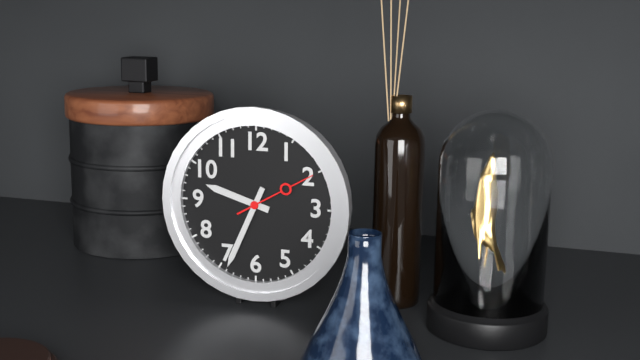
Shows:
9:34:10
